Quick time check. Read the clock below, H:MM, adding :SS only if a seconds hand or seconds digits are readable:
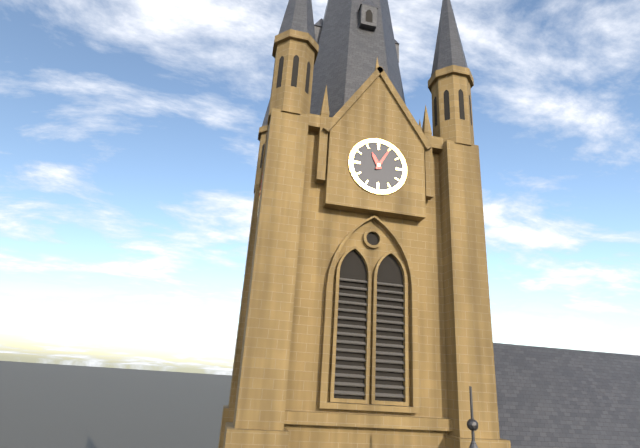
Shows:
11:05
